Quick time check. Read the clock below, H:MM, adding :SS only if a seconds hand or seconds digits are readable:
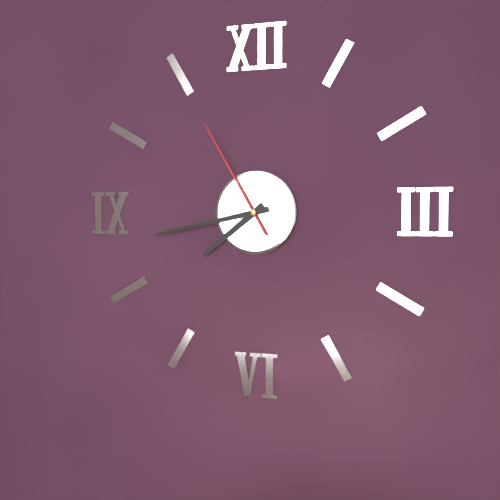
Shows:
7:43:55
